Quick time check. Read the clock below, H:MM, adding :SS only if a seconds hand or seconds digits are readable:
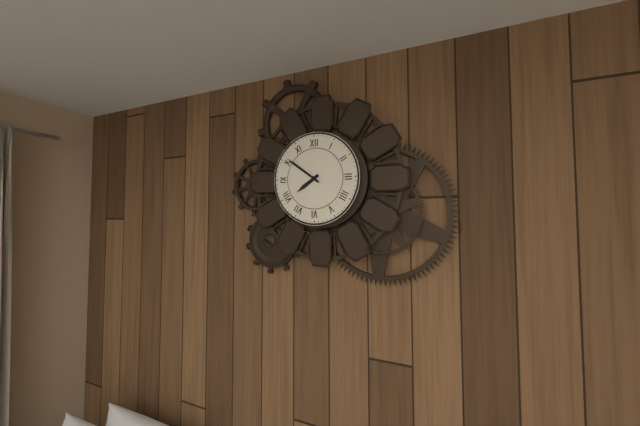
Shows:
7:51
